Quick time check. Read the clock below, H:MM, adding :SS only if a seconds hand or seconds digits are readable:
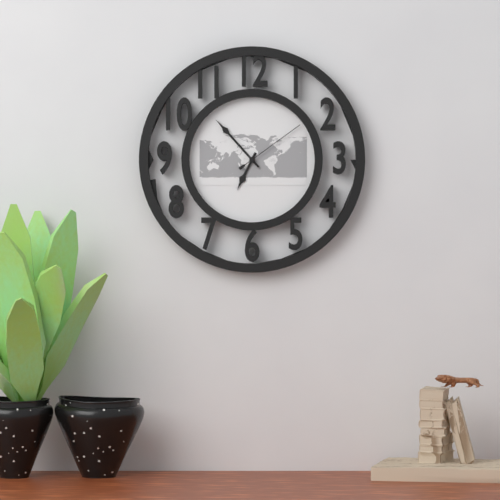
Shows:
6:53:09
